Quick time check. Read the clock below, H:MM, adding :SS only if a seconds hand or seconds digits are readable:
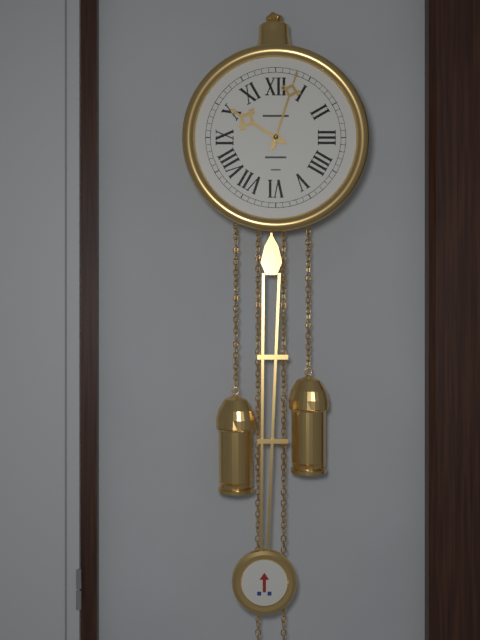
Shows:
10:03
